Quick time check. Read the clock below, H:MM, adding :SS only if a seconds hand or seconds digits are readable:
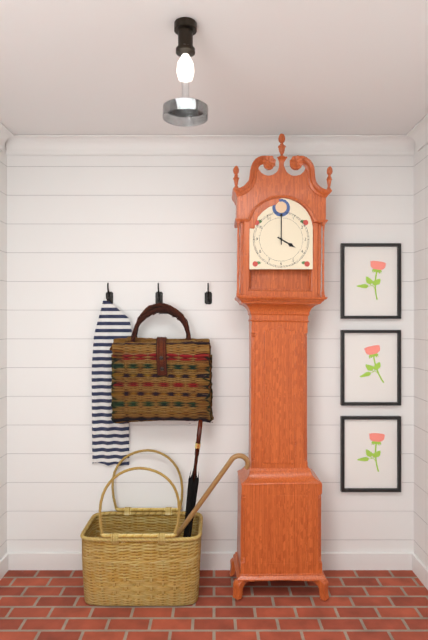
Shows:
4:00
